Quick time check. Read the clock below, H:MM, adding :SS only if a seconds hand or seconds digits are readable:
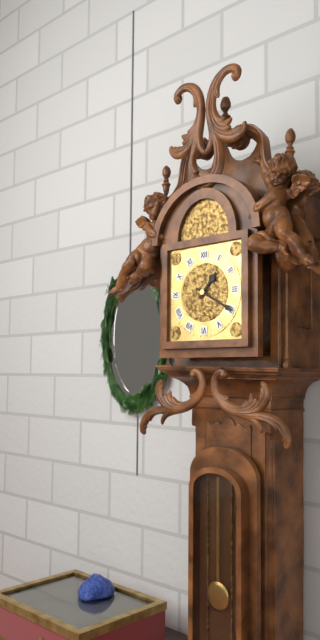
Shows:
1:20
